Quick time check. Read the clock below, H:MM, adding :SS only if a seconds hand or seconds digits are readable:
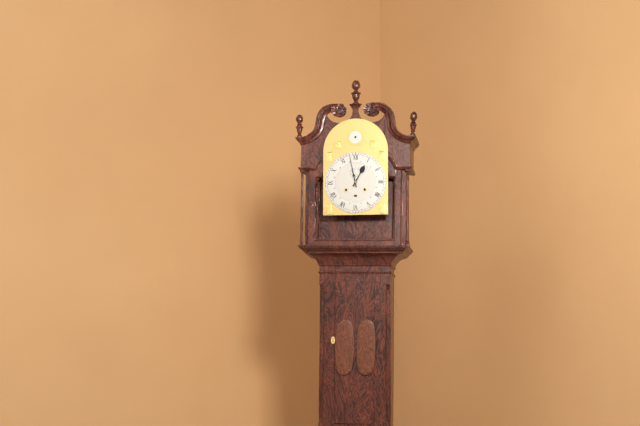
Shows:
12:58
